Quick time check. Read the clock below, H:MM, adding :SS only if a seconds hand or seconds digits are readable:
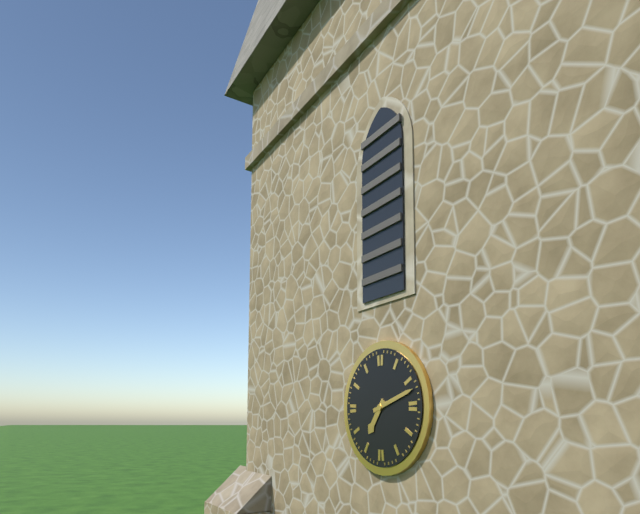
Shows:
7:12
